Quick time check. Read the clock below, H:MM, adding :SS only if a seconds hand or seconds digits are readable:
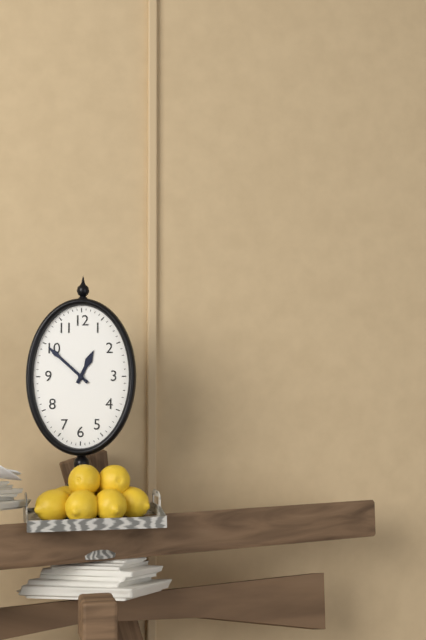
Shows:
12:52
